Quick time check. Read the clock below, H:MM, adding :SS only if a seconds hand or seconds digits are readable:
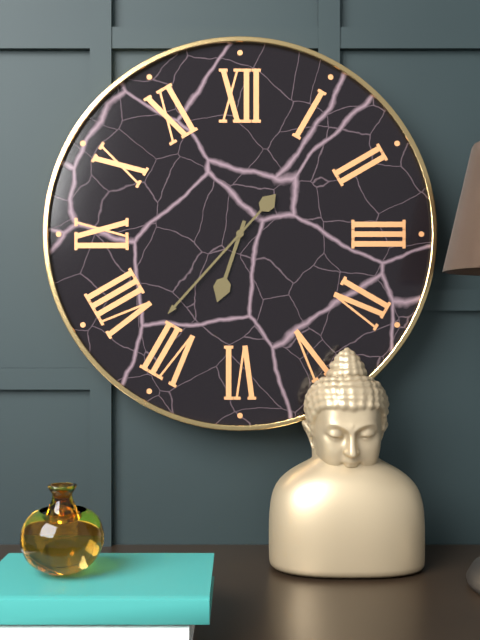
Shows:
6:37
